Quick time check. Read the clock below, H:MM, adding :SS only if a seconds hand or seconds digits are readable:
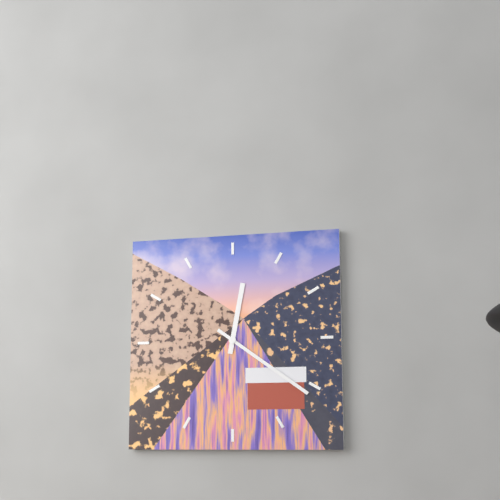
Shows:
12:21
